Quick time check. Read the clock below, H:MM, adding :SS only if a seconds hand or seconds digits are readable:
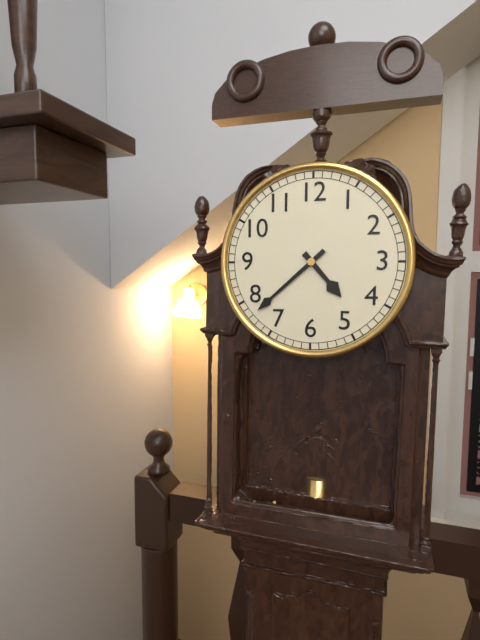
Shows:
4:38
